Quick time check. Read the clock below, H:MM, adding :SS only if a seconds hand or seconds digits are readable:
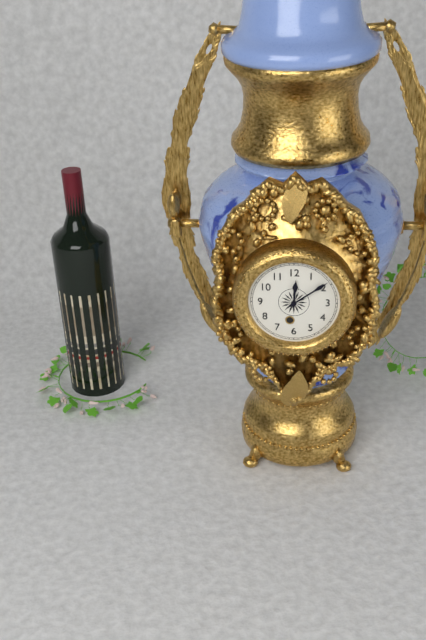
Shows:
12:09
